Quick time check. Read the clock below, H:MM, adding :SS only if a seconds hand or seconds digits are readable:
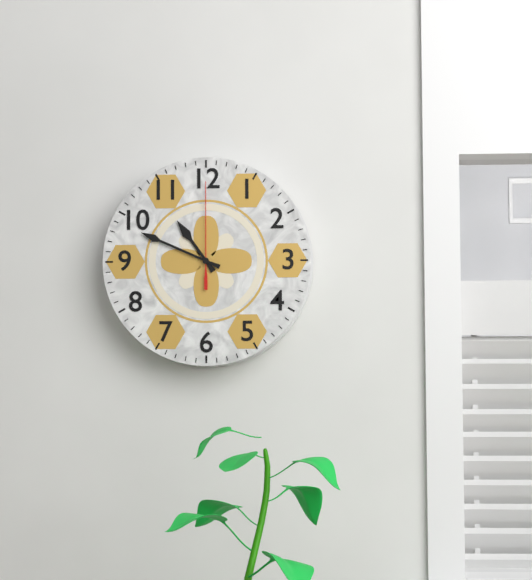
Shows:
10:49:00
